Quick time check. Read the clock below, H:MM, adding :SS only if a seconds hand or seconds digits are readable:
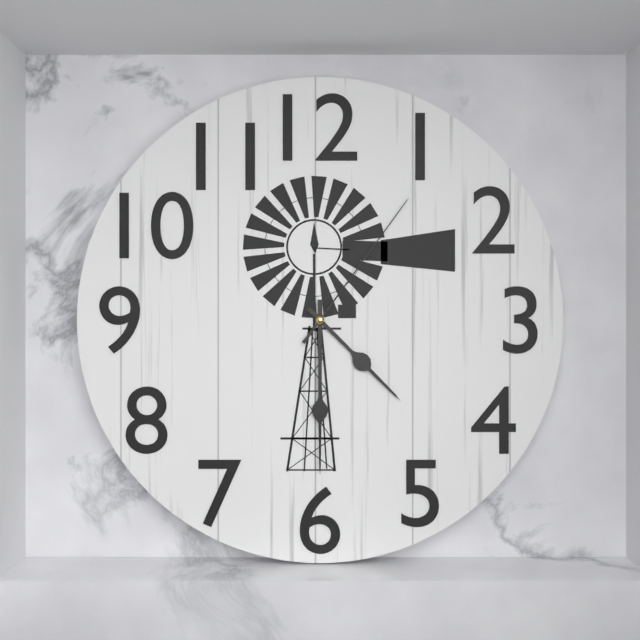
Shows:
4:30:06
